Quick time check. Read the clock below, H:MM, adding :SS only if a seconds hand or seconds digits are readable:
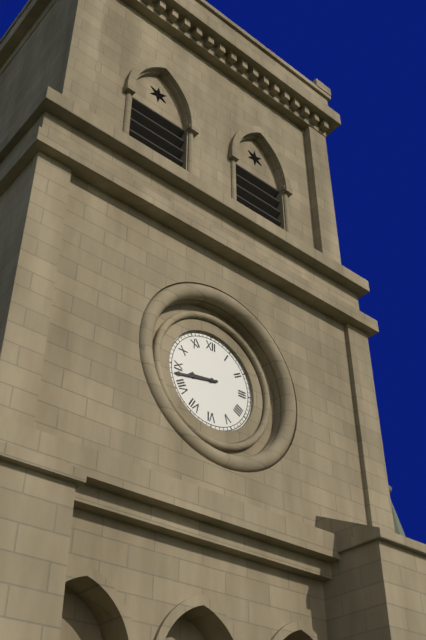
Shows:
8:43
